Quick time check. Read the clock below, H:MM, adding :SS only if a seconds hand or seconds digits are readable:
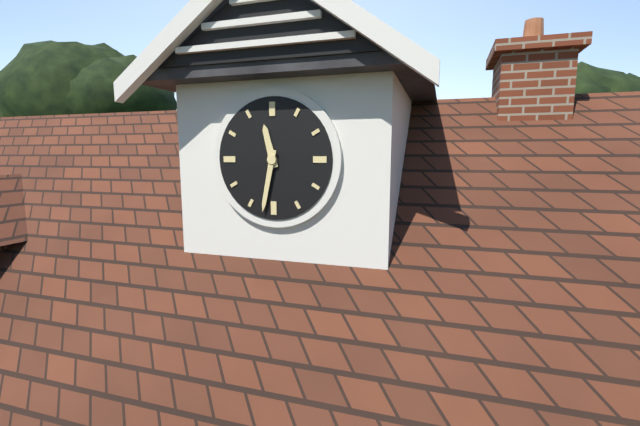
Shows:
11:32
